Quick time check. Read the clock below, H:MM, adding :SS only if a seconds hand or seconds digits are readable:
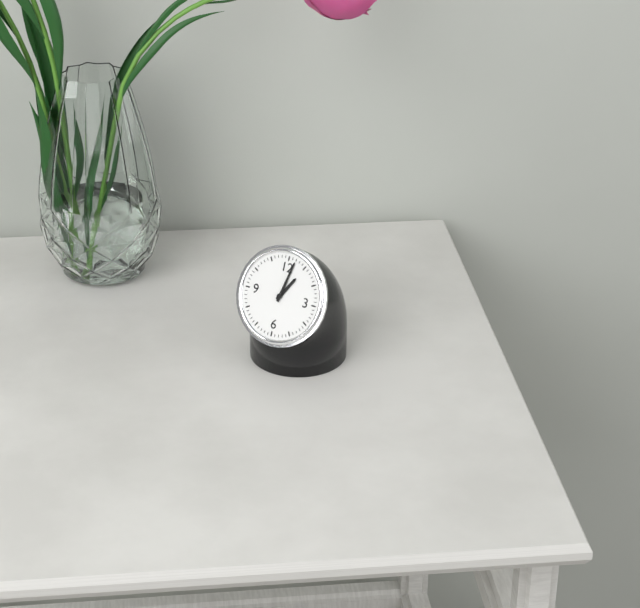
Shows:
1:02
